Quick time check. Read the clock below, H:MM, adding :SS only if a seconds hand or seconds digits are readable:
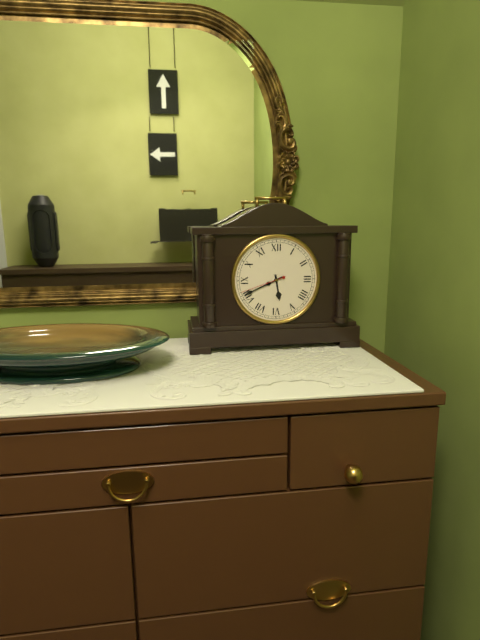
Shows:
5:41
